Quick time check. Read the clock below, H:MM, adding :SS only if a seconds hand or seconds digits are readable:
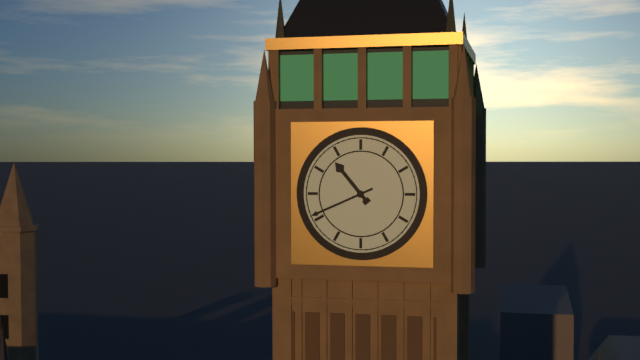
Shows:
10:41
